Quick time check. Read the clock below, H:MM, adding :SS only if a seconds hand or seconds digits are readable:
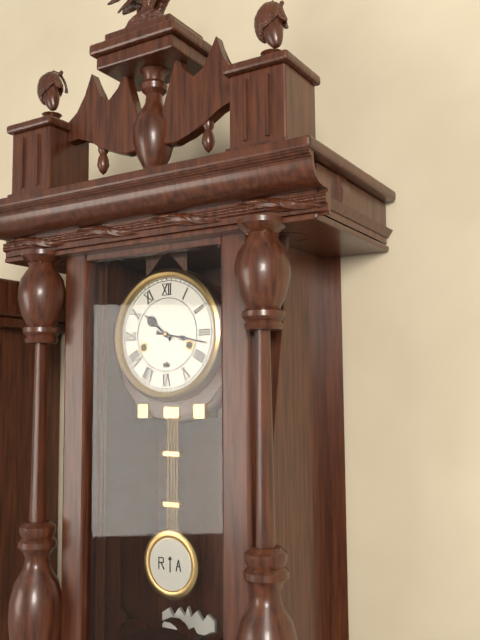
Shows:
10:17
